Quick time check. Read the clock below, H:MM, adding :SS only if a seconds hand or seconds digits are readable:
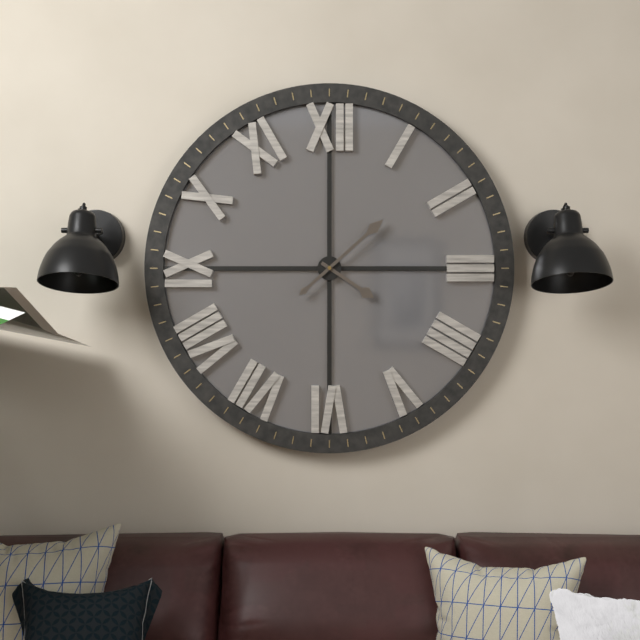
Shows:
4:08
